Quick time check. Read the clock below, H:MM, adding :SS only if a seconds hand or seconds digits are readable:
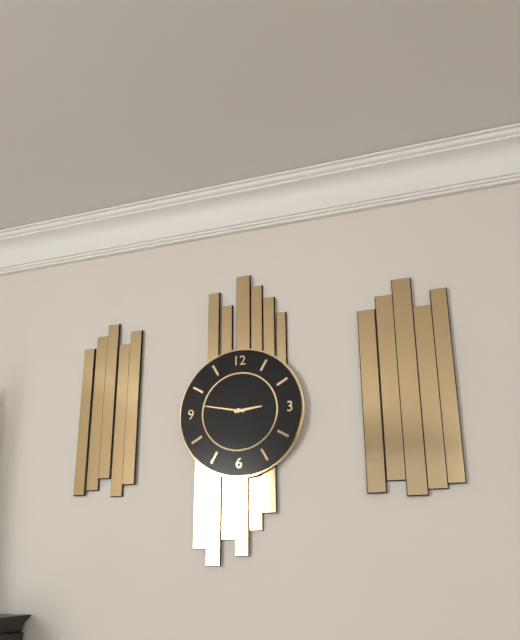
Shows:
2:47
